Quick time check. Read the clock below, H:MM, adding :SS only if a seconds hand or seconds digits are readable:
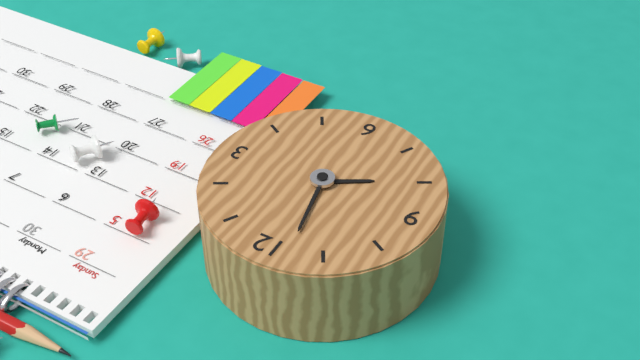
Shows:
7:58
